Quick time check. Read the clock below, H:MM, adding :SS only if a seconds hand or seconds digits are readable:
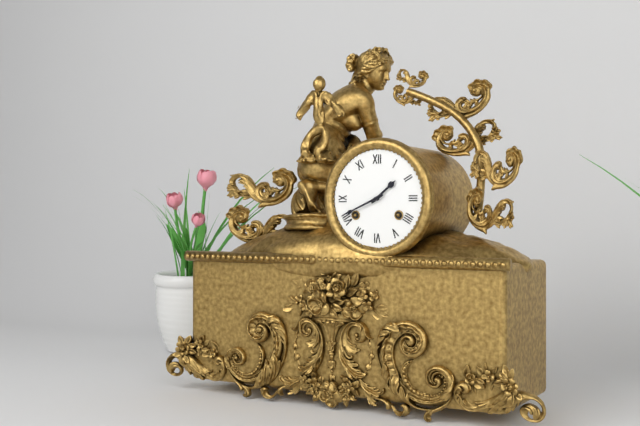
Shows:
1:41
